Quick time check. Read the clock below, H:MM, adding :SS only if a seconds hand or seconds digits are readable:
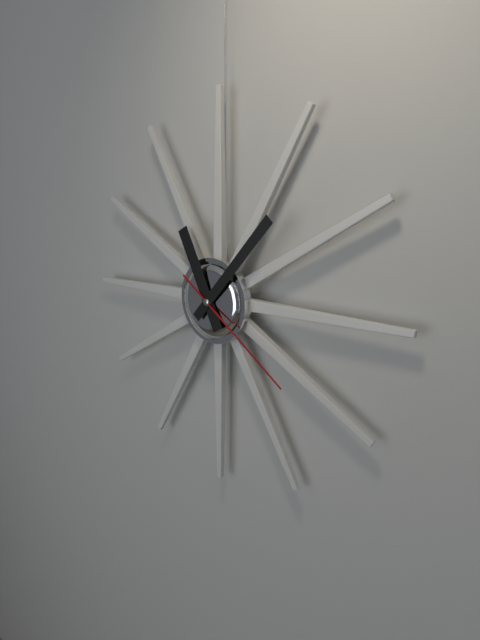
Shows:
11:07:21
